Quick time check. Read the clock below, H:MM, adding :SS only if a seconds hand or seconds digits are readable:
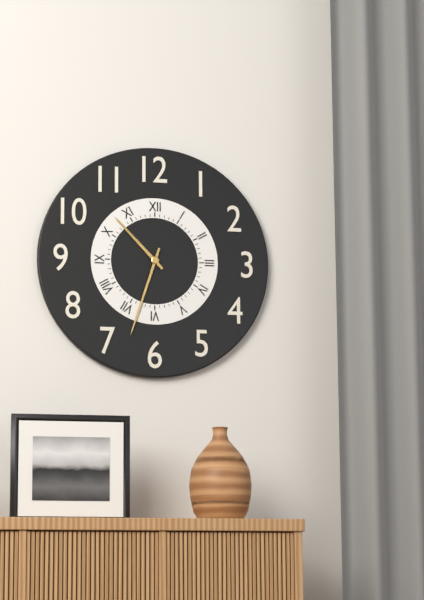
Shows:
10:33
